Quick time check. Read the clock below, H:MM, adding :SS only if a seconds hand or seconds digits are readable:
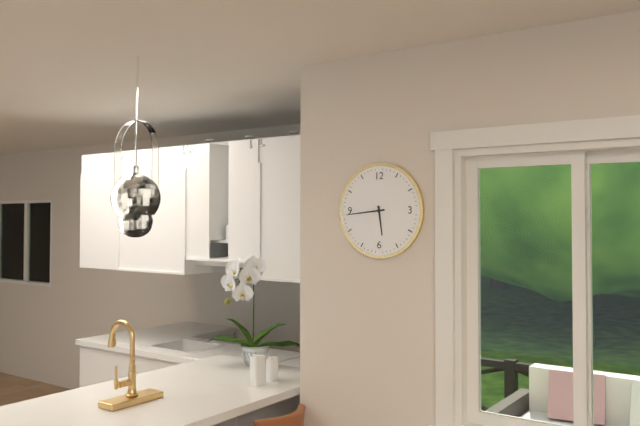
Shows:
5:44
